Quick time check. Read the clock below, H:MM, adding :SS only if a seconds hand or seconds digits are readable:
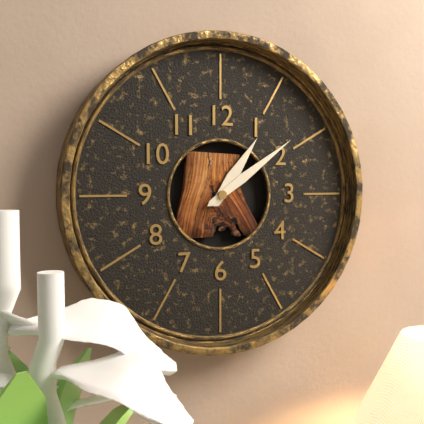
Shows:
1:09
